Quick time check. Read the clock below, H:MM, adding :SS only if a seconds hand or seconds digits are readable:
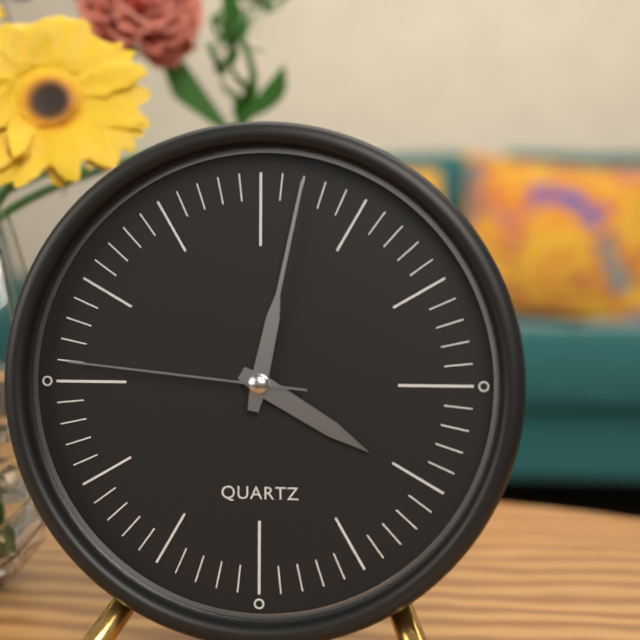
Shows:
4:02:46
